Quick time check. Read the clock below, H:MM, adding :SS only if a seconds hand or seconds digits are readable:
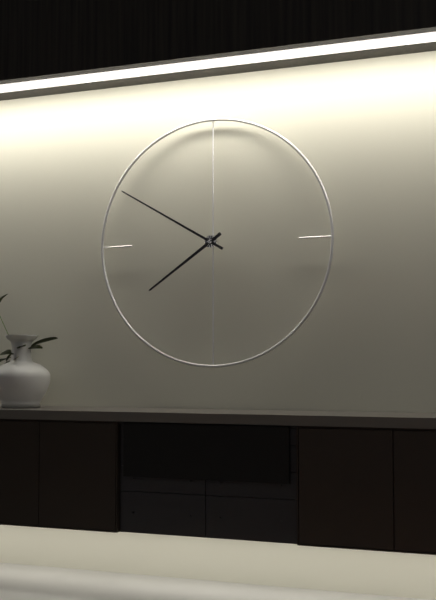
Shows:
7:50
